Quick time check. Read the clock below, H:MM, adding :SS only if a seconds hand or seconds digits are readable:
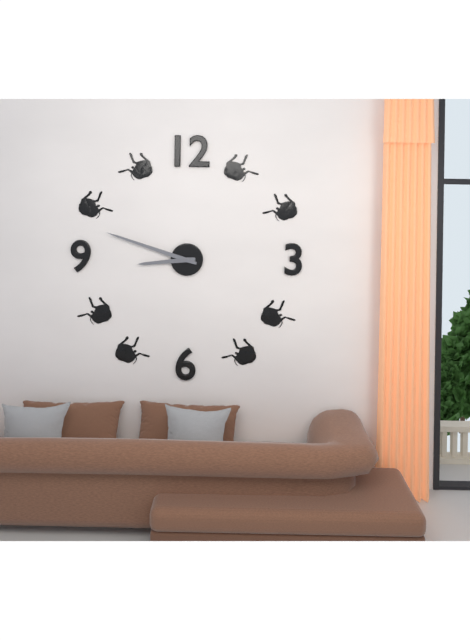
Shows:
8:48
